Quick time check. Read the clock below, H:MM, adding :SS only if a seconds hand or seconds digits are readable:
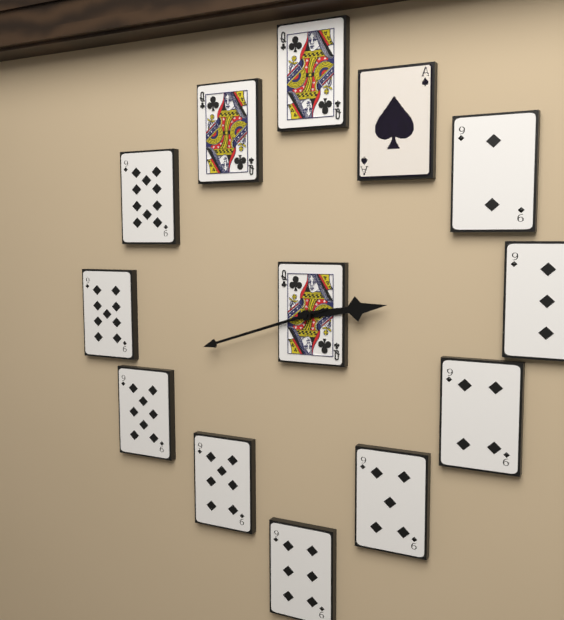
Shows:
2:42:42
